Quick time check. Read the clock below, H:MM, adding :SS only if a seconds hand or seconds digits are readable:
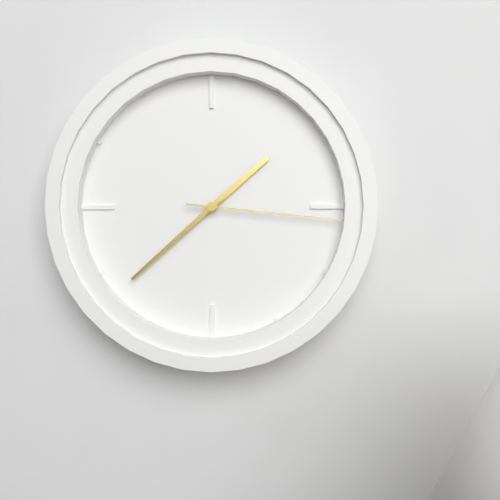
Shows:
1:38:16
